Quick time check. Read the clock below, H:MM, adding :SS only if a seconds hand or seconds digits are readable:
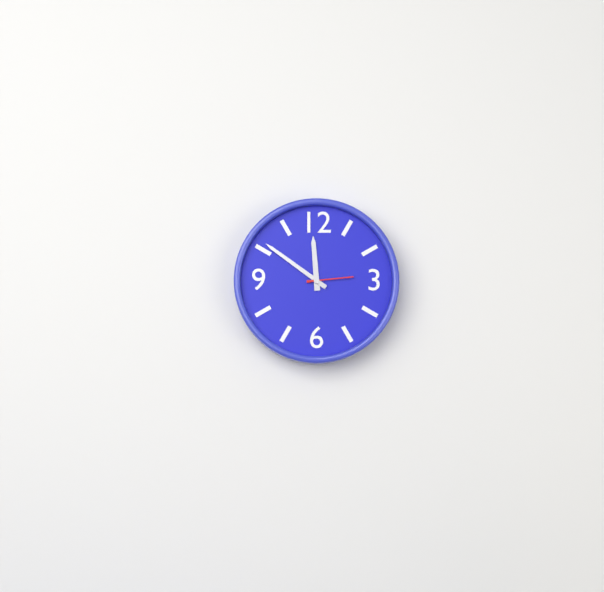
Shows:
11:51
